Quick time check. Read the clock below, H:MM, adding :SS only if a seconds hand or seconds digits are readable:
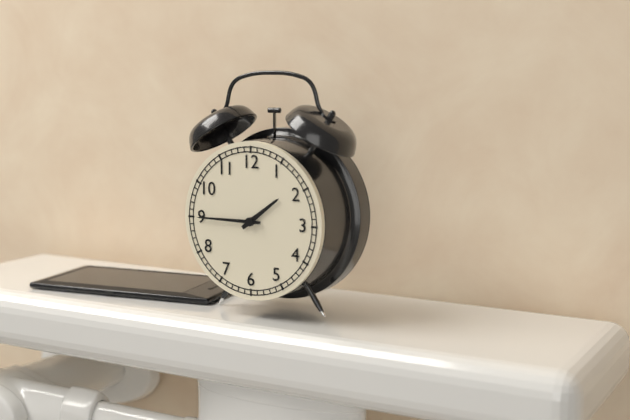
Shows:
1:45
